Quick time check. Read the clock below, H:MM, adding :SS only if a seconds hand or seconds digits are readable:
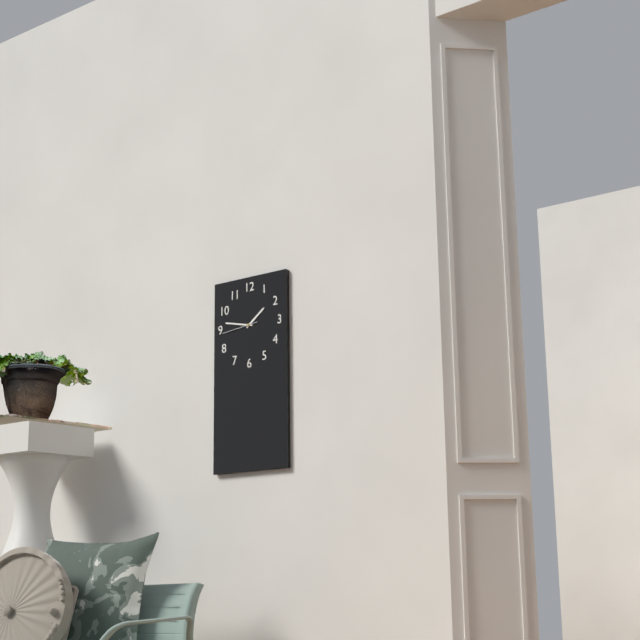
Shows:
1:47
